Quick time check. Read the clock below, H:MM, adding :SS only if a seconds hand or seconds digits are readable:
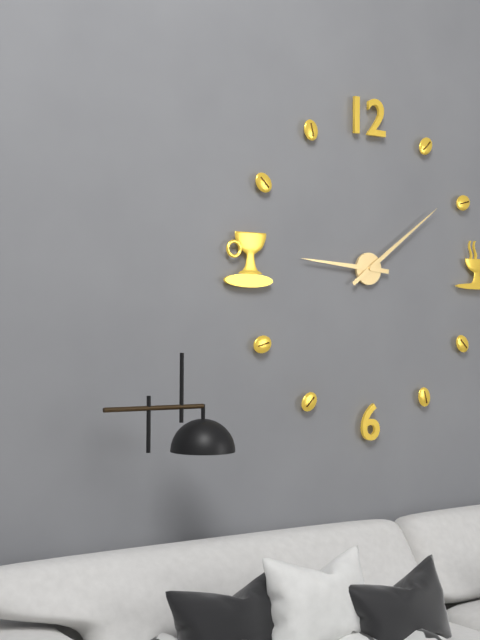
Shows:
9:09
